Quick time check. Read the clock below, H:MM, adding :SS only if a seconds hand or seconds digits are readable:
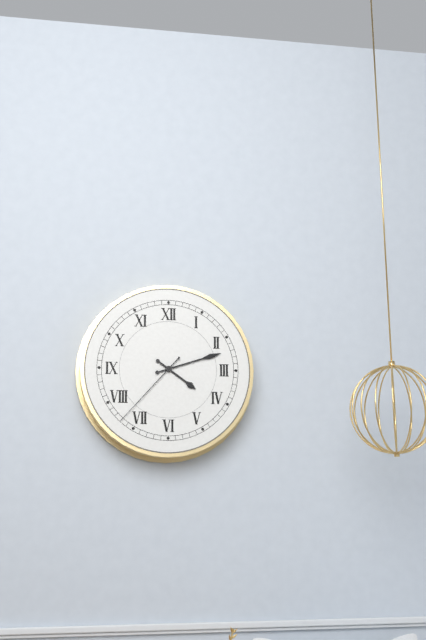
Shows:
4:12:37
